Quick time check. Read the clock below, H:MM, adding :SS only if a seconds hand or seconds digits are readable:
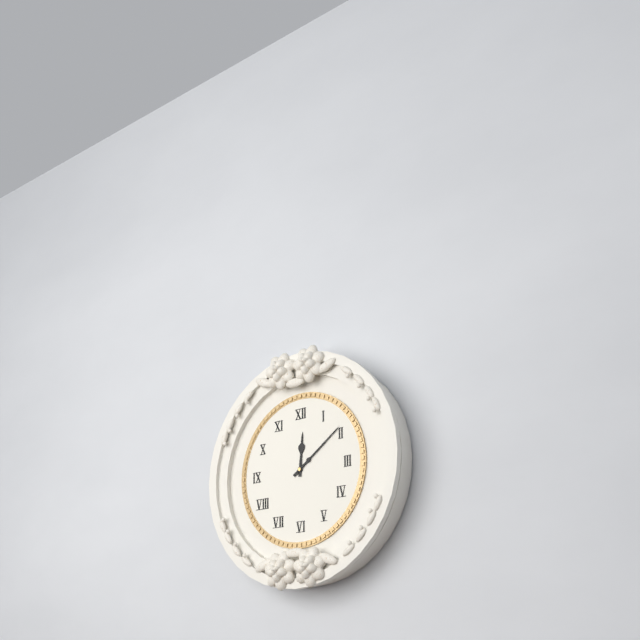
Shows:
12:09
